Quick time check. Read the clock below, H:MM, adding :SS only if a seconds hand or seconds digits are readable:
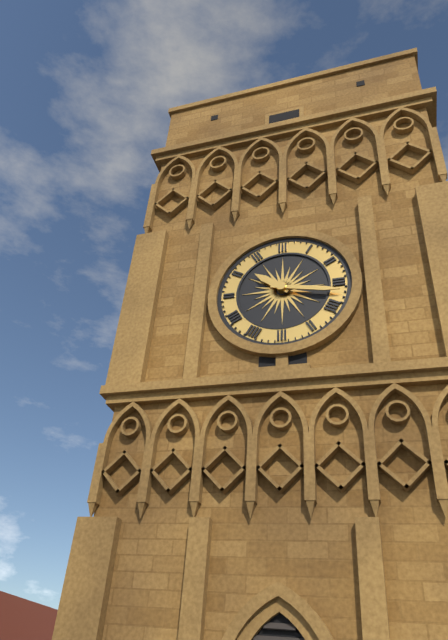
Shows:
10:17
